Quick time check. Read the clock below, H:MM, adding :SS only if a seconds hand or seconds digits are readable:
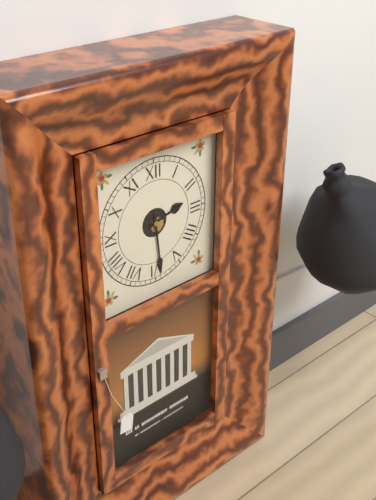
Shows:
2:29
